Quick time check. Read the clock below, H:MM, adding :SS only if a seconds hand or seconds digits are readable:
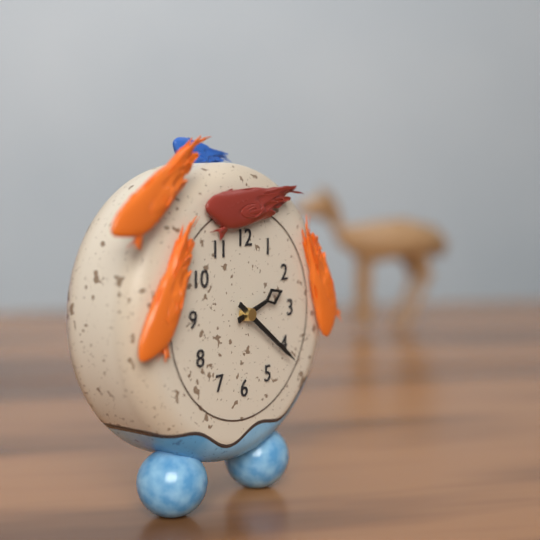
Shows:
2:21
